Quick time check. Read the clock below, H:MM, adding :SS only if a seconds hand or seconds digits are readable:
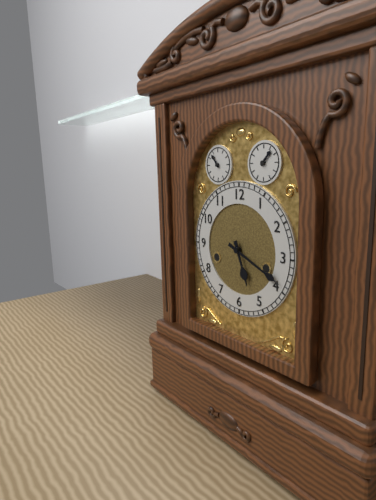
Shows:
5:19
